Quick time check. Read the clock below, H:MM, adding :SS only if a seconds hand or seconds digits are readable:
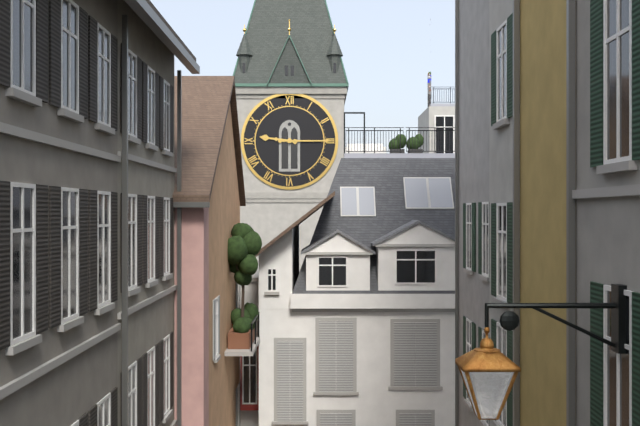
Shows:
9:15
